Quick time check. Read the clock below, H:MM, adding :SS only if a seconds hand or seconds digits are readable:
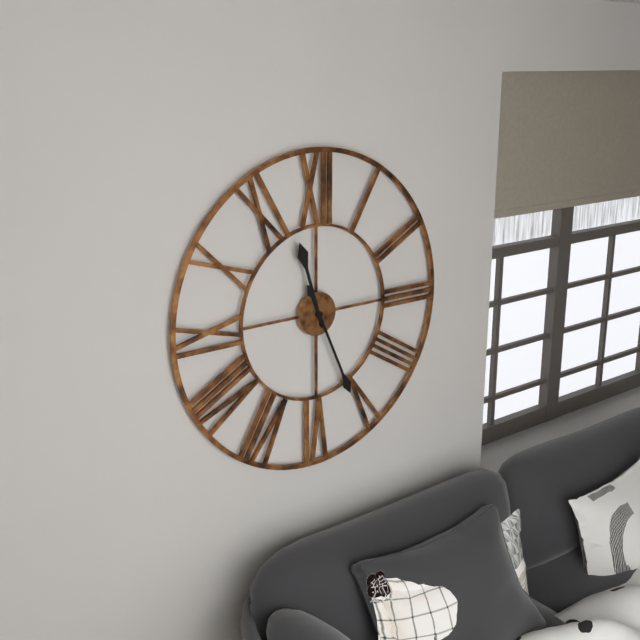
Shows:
11:26
